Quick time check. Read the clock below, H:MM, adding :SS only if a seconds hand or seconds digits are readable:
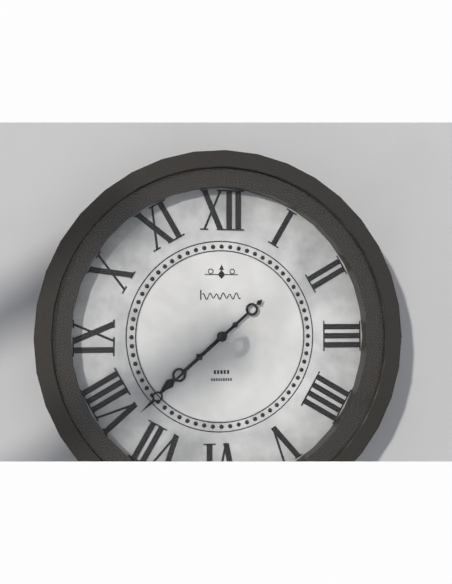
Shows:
7:38
